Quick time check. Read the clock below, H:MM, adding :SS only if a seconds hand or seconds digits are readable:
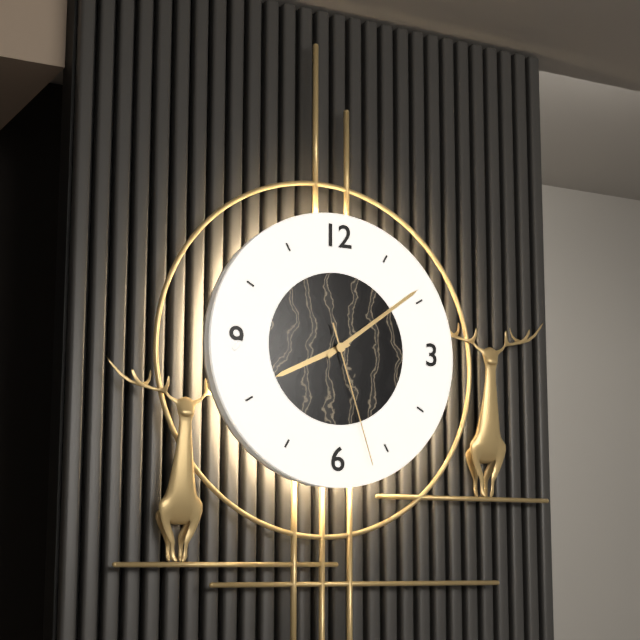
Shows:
8:09:27
